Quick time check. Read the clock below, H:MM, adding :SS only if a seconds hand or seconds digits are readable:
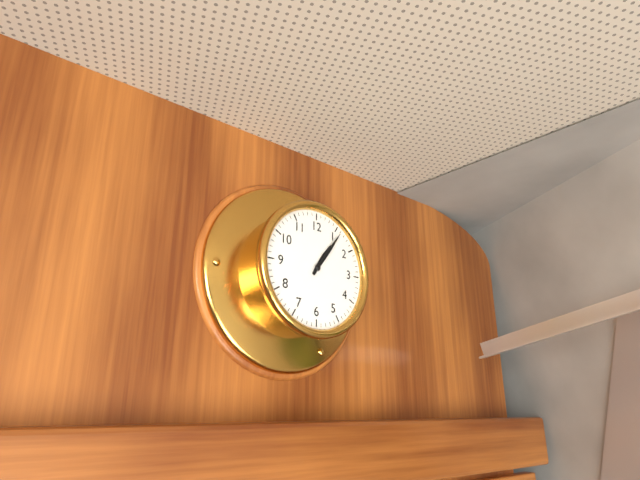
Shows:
1:06
